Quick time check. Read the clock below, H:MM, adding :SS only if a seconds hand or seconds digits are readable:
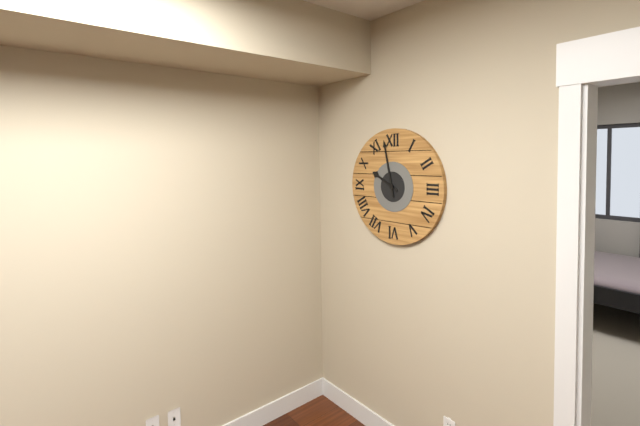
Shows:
9:58
